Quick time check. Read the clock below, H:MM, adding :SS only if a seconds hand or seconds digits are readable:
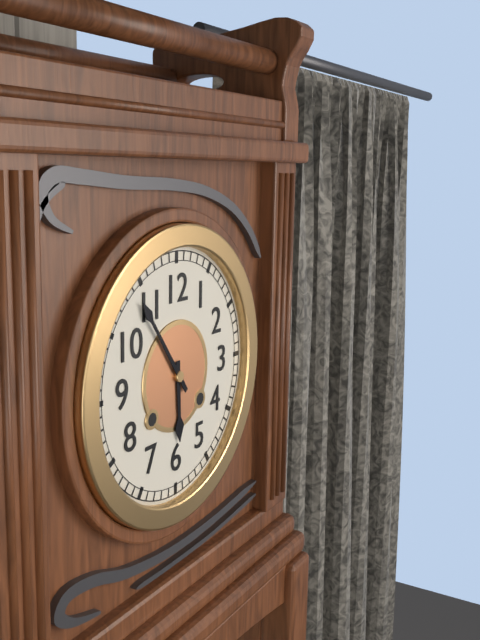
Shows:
5:54
